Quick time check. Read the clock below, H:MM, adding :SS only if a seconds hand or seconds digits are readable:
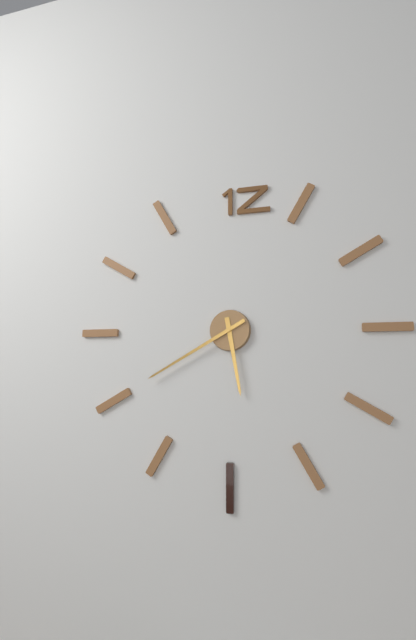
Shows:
5:40
